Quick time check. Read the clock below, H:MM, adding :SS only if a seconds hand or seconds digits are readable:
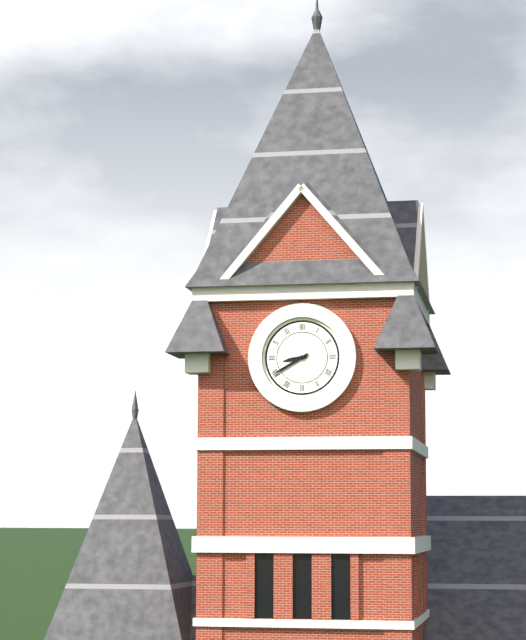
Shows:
8:40
